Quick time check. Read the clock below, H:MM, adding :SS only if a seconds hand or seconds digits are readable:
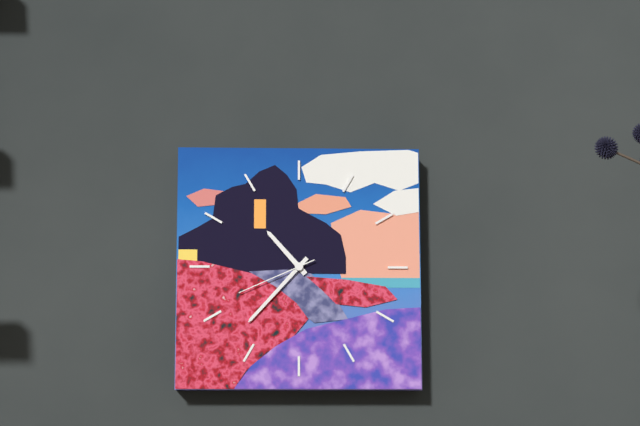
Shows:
10:37:41
